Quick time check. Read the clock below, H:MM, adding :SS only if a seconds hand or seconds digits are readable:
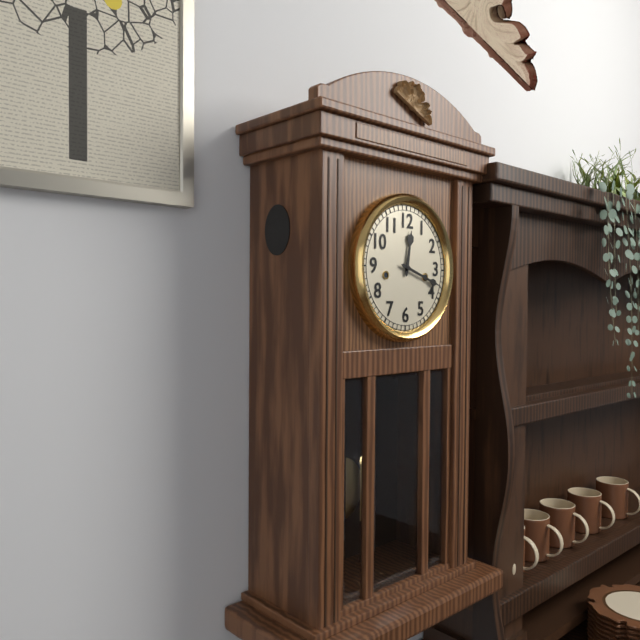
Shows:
12:18
